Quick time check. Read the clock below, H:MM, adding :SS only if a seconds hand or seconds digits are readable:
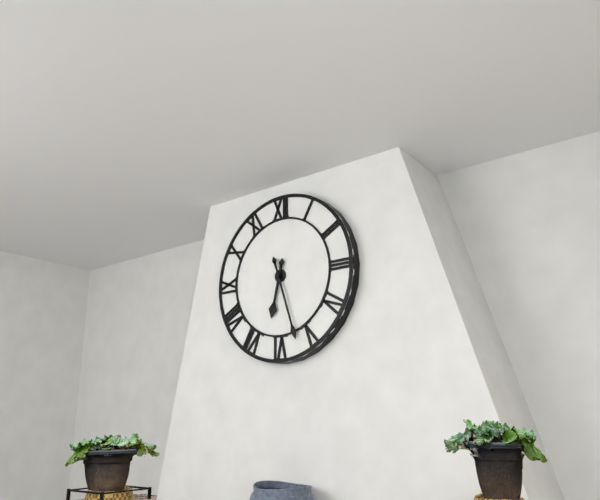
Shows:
6:27
